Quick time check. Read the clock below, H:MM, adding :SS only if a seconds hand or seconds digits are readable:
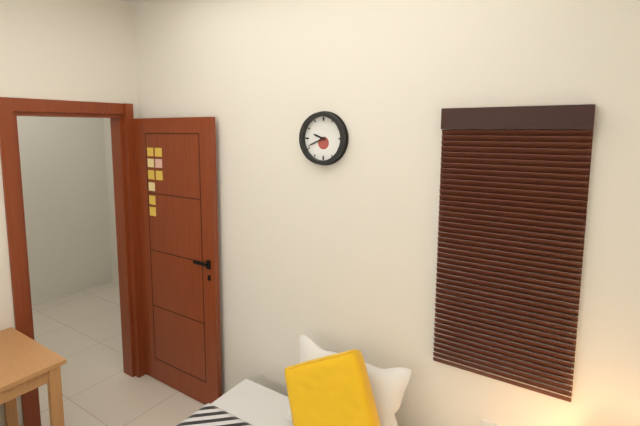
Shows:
9:41
